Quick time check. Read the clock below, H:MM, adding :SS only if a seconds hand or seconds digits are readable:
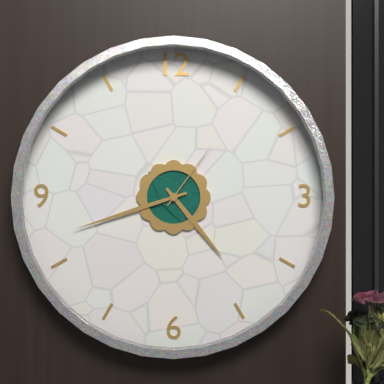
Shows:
4:42:06
